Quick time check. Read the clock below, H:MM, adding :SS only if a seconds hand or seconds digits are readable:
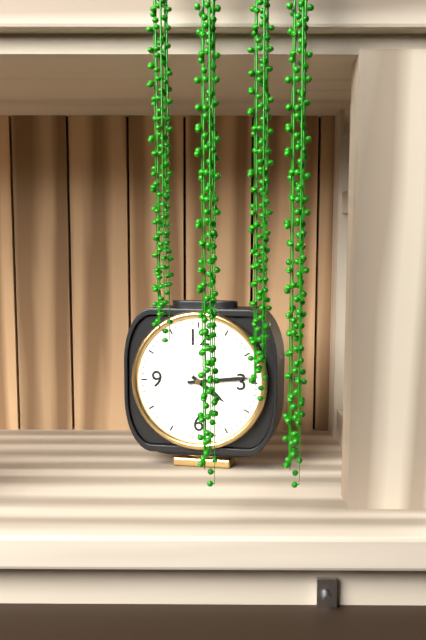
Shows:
4:14
